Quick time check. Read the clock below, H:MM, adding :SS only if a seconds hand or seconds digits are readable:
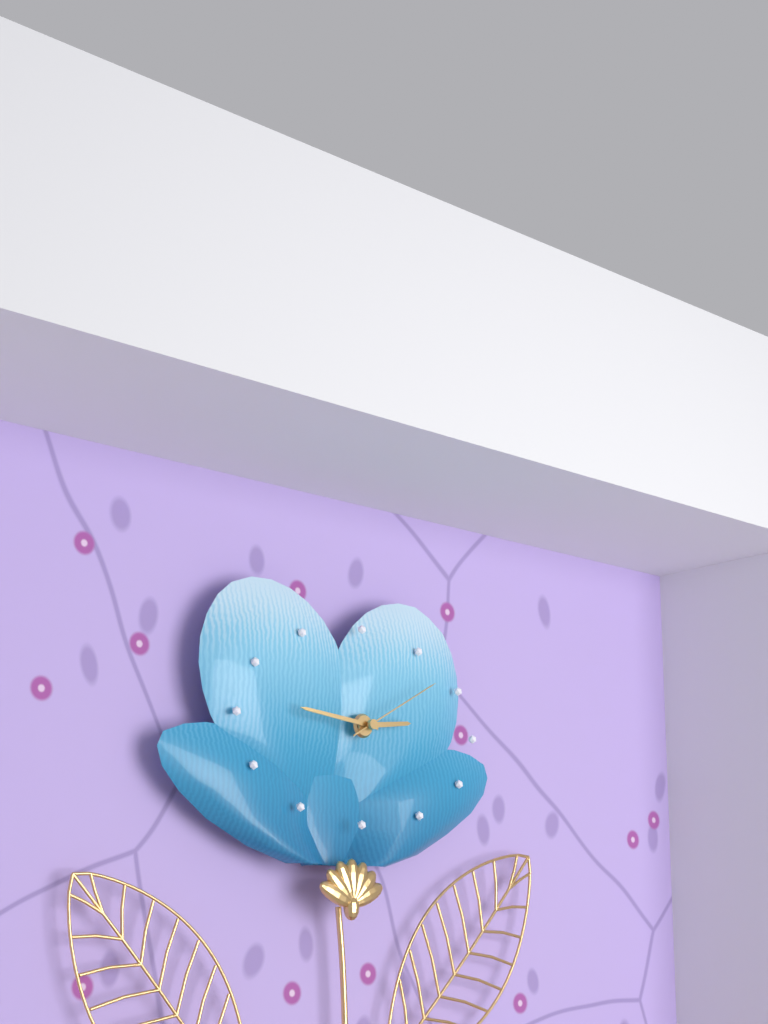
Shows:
2:46:10
